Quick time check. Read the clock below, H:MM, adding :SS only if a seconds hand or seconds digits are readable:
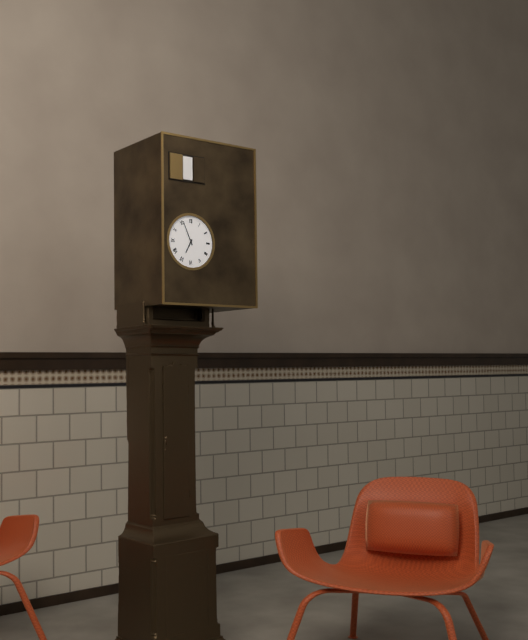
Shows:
6:56
